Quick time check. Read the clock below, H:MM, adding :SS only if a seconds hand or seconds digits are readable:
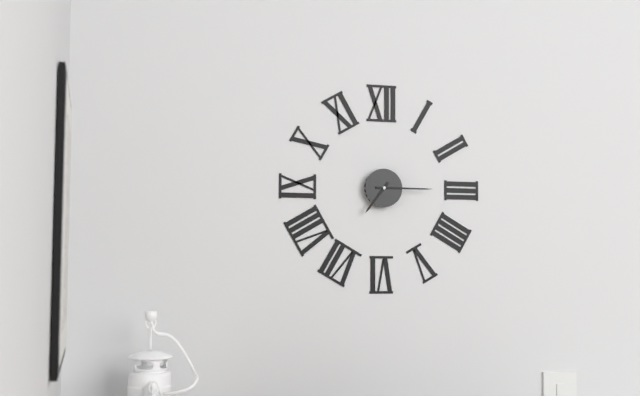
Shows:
7:15
